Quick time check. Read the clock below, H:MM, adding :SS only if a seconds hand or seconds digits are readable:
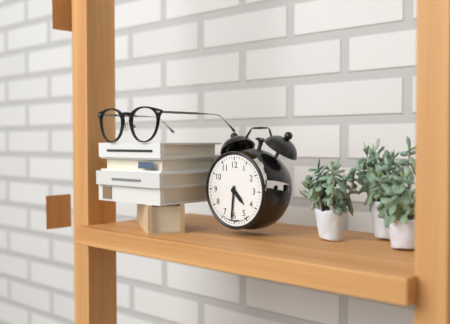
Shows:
4:31
